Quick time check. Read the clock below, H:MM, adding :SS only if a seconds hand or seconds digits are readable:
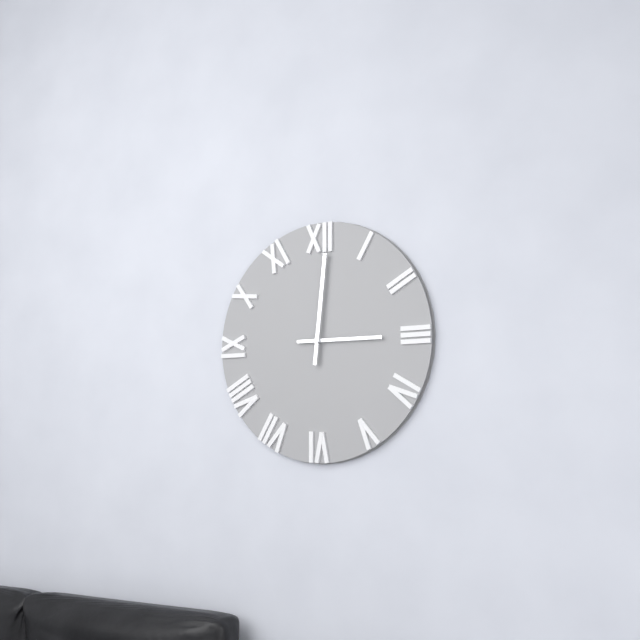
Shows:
3:01
